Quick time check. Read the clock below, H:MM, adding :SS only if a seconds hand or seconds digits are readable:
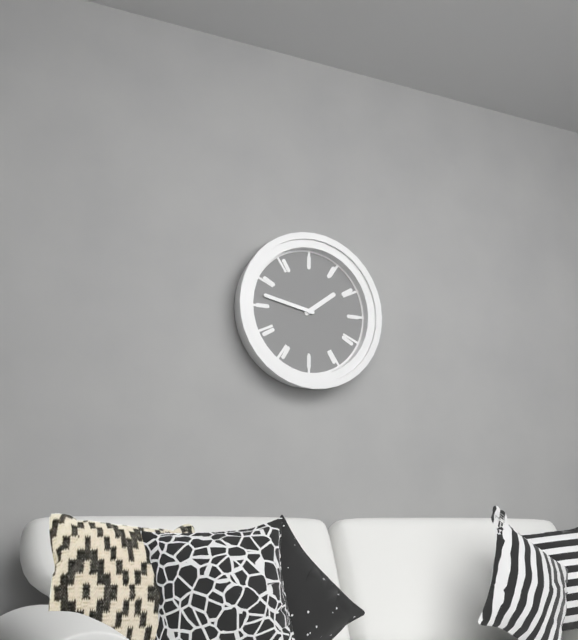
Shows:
1:47
